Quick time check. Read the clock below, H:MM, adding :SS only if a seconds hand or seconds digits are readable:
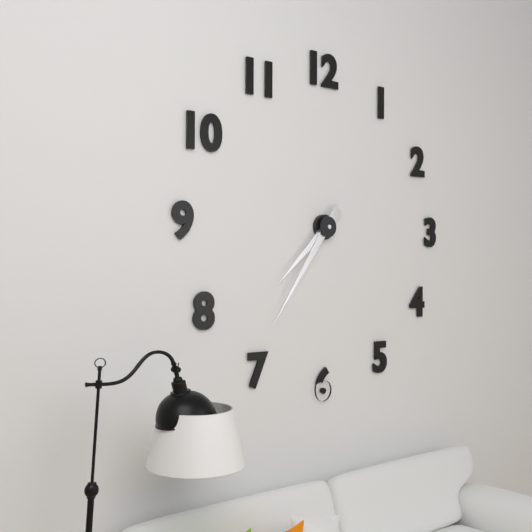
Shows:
7:36
